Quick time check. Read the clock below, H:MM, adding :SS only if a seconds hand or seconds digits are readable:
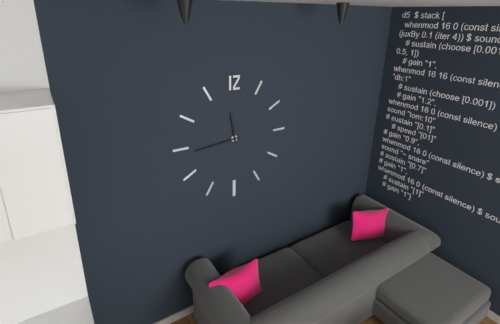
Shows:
11:44
